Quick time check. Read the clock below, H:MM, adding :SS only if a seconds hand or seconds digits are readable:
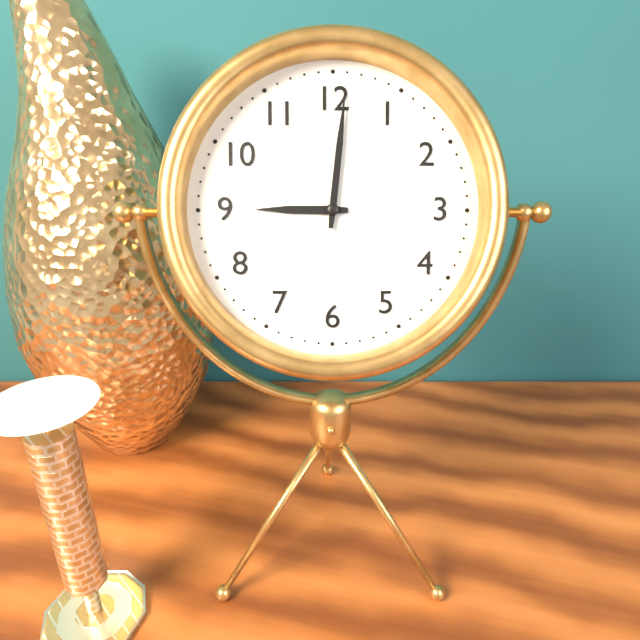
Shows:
9:01
